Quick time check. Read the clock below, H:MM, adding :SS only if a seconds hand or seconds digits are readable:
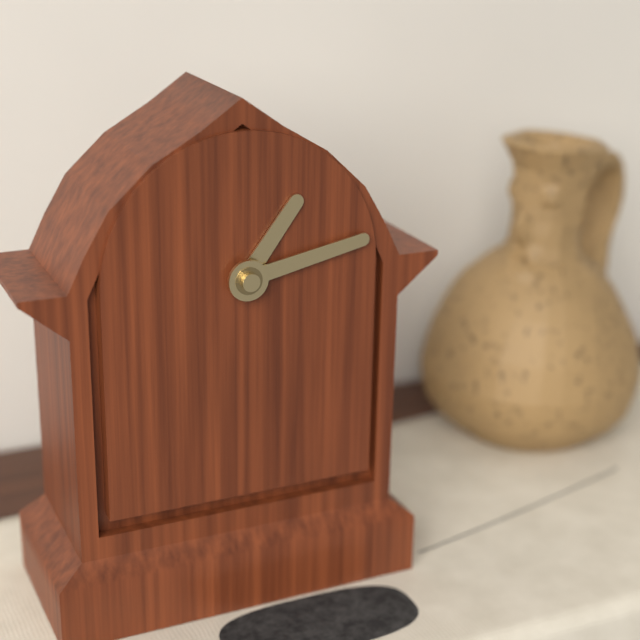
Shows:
1:13
